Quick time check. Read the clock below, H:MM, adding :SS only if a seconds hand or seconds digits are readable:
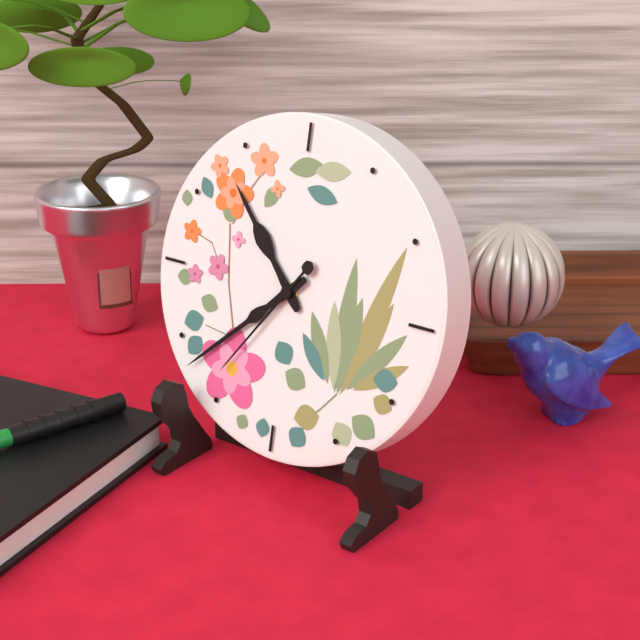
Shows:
10:38:36
